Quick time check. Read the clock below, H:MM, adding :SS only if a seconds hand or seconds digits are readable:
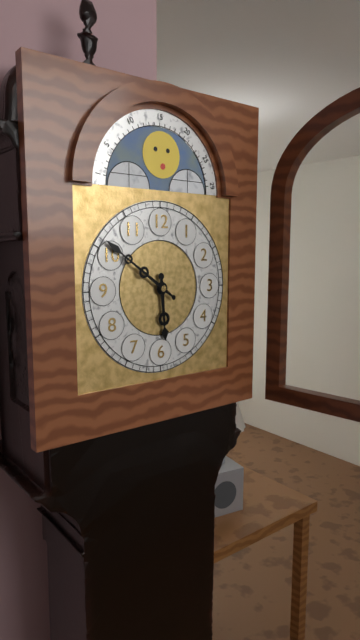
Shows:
5:51
